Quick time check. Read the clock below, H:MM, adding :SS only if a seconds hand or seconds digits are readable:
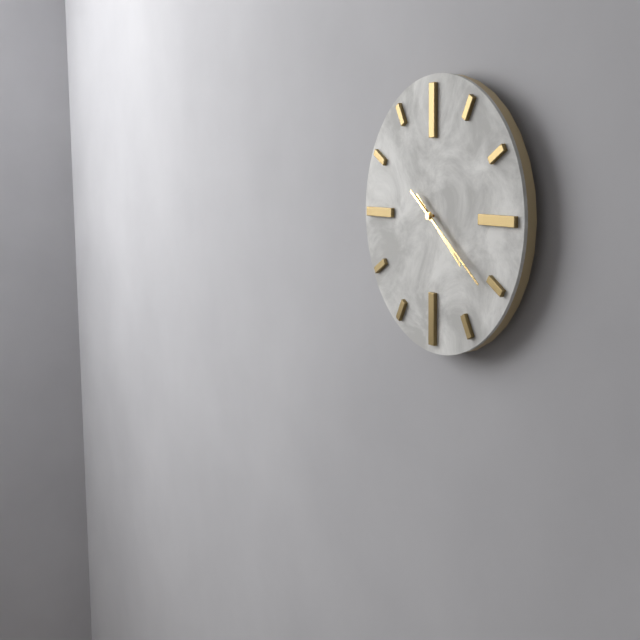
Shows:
4:21
